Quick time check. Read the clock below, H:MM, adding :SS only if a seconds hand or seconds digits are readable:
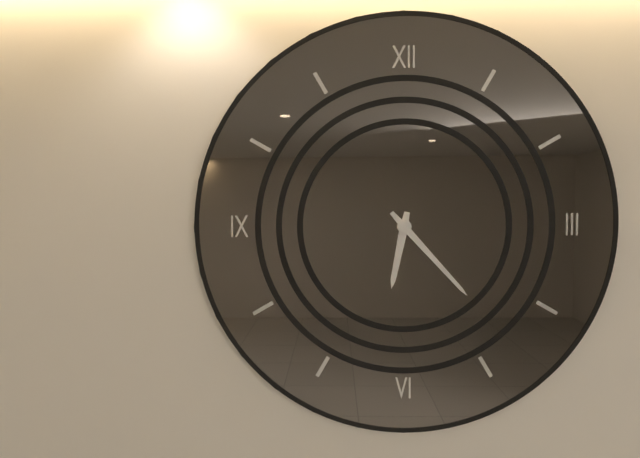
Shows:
6:23
